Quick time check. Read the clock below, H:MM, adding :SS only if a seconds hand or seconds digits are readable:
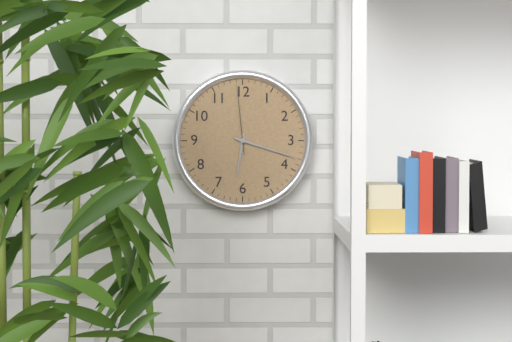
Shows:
6:18:59
